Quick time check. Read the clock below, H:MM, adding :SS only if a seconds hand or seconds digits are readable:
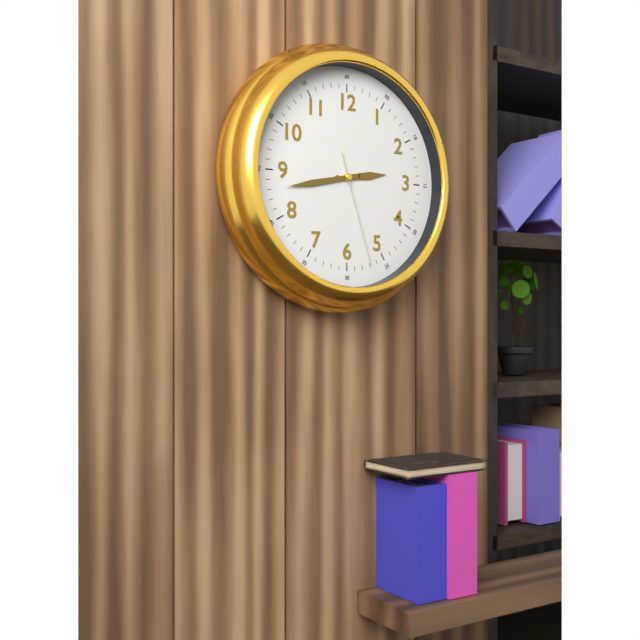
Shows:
2:43:27
